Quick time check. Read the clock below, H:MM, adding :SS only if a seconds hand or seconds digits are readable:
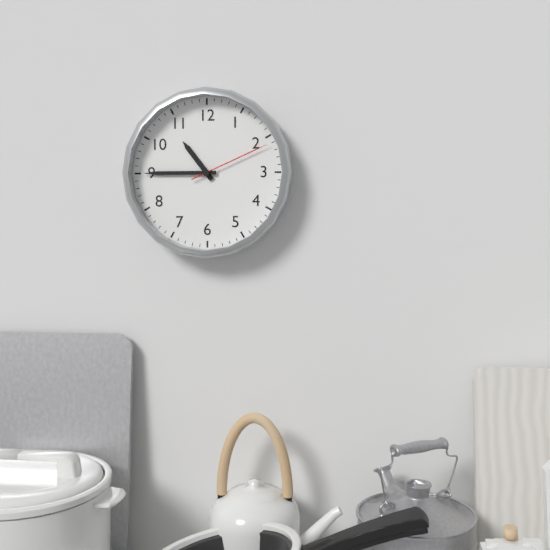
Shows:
10:45:11
